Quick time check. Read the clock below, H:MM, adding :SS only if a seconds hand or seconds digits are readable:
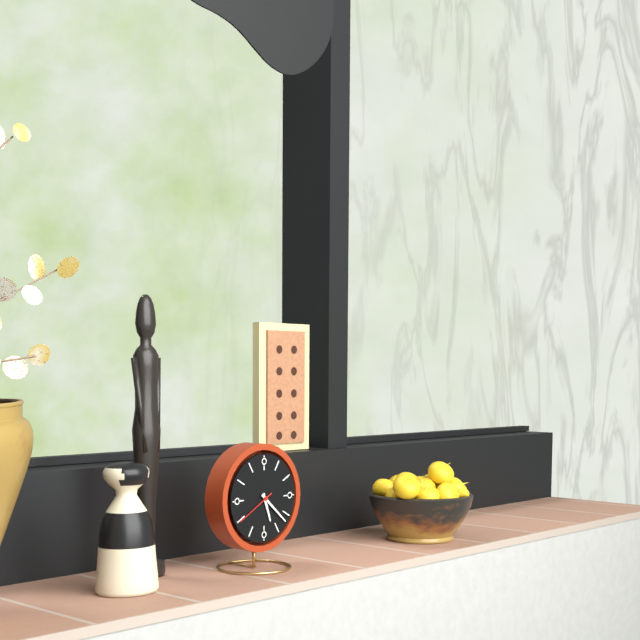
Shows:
5:22
